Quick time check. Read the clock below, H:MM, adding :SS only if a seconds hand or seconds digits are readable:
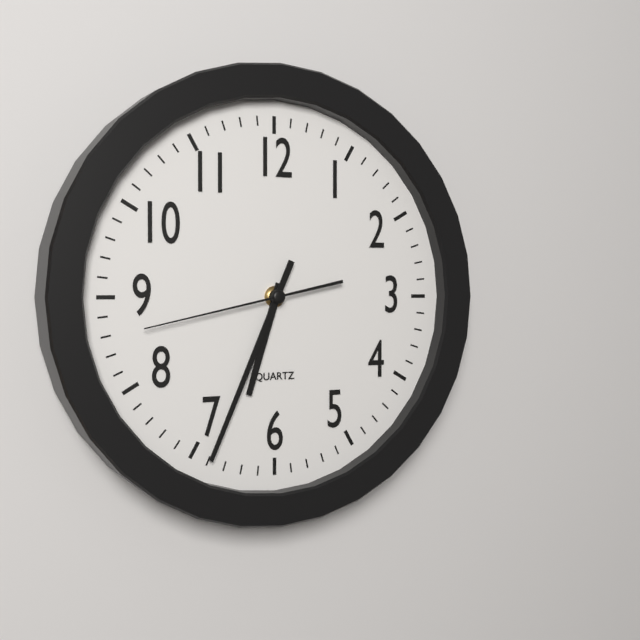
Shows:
6:34:43
